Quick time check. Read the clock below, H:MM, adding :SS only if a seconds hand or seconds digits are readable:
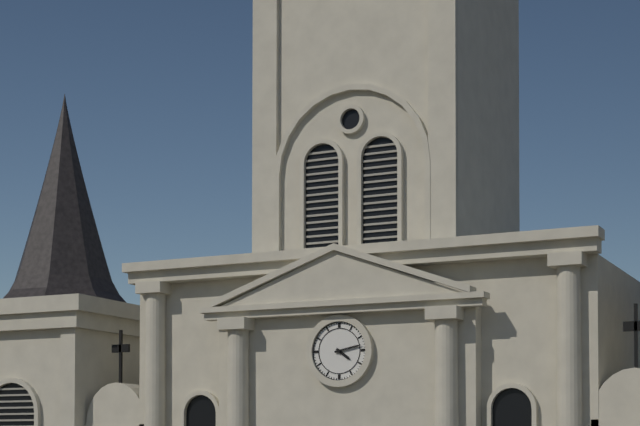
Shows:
4:13
